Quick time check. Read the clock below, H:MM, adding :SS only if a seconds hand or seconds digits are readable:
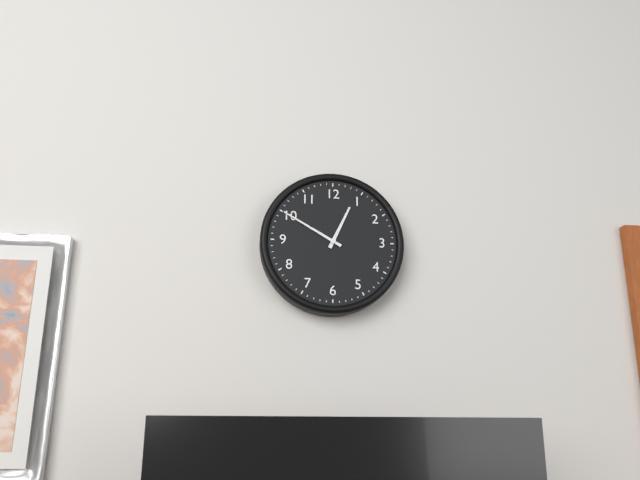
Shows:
12:50
